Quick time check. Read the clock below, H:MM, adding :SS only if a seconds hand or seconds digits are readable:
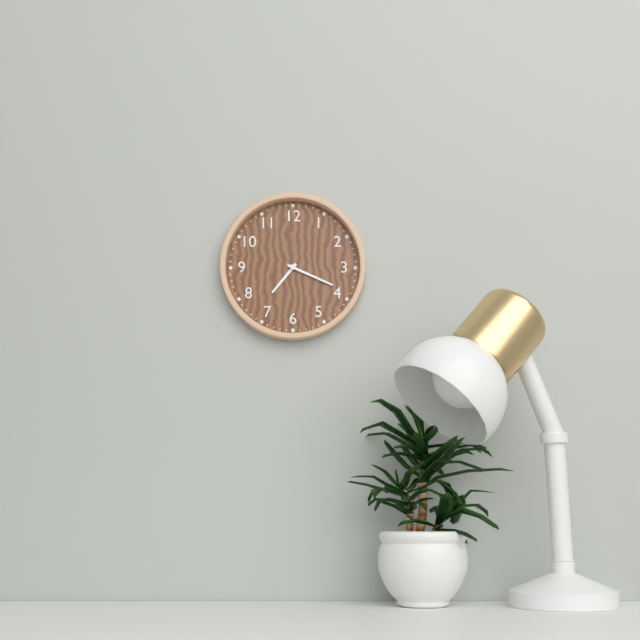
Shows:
7:19
